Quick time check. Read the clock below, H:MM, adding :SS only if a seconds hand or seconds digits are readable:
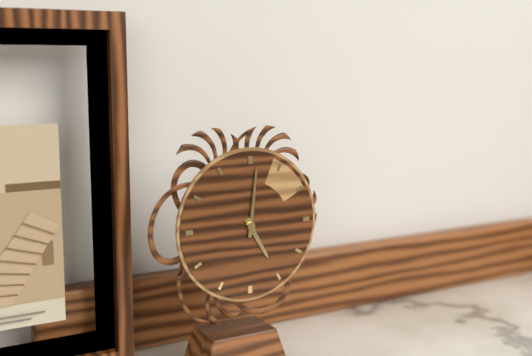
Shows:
5:01
